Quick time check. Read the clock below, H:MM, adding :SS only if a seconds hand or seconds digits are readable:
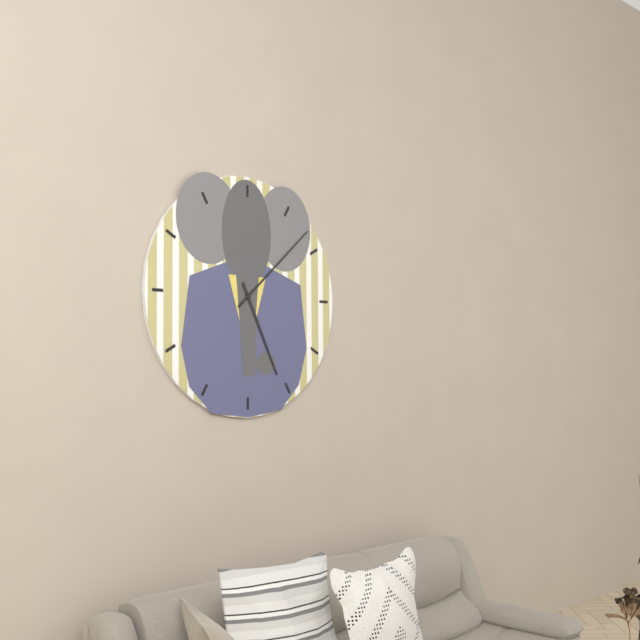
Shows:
5:08
